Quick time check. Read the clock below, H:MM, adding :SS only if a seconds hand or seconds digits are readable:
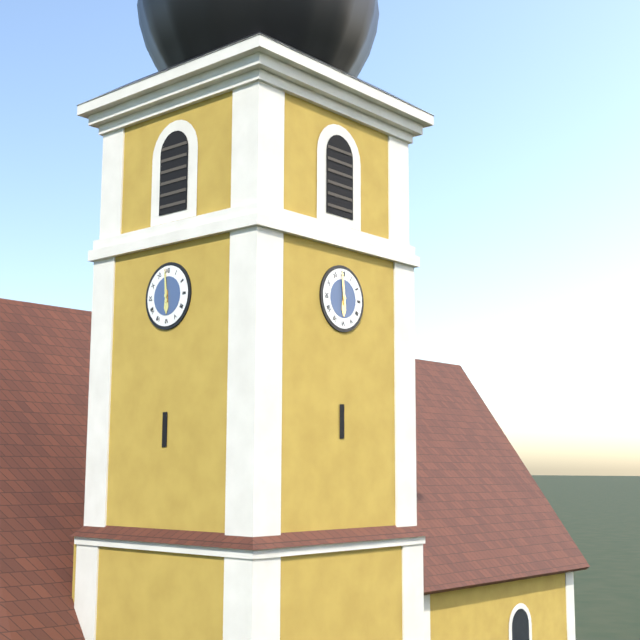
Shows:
5:59
